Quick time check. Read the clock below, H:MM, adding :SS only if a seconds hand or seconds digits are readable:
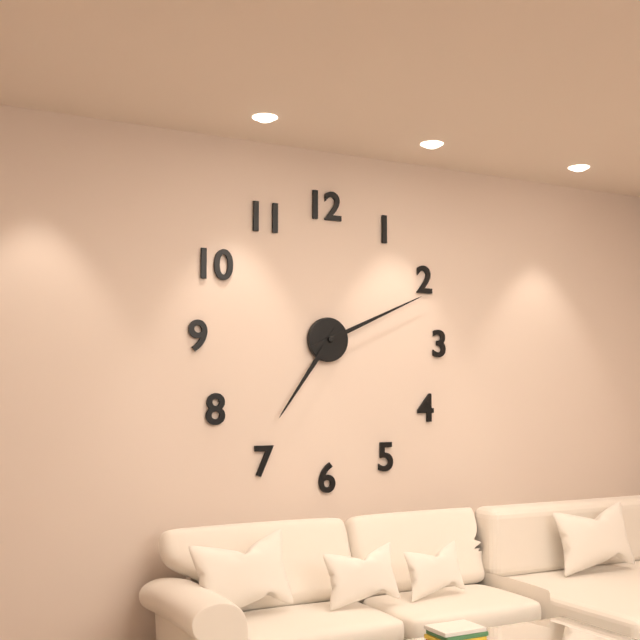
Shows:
7:11
